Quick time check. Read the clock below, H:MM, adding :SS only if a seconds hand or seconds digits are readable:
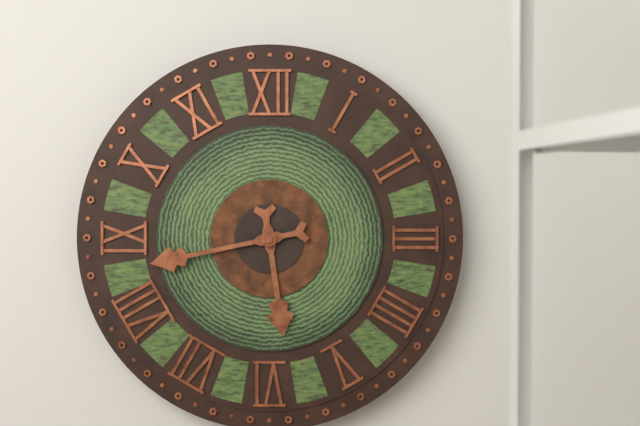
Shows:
5:43
